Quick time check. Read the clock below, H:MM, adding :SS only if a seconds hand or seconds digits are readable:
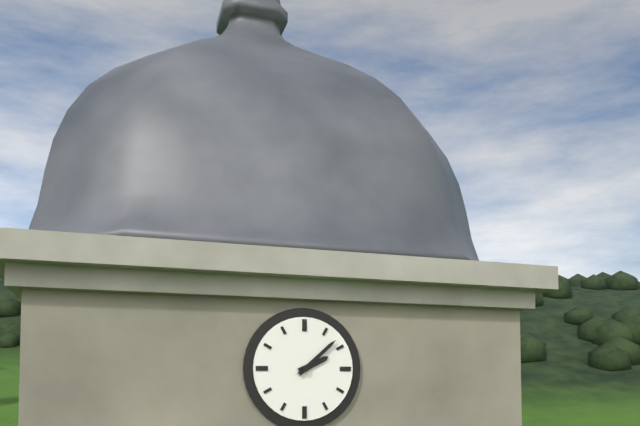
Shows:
2:08
